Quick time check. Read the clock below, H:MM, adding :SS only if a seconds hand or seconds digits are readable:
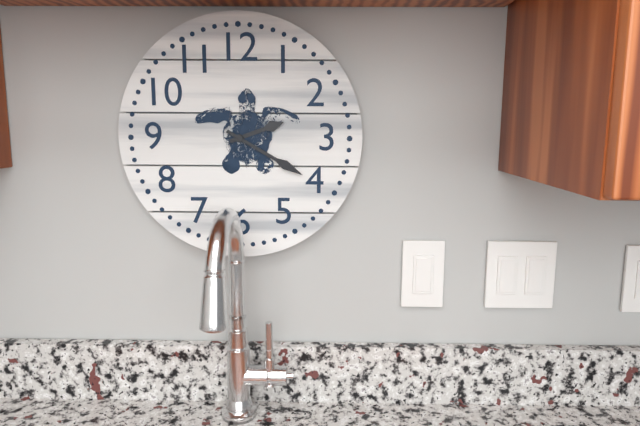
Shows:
2:20
